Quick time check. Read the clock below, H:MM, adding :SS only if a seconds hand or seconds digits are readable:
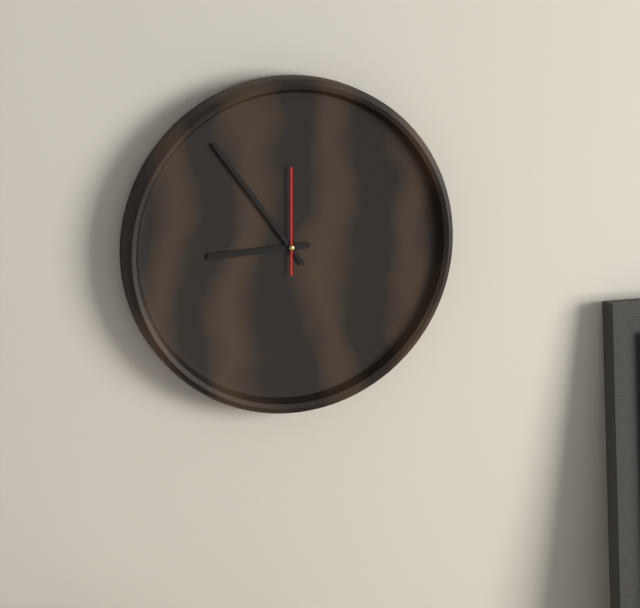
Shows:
8:54:00
